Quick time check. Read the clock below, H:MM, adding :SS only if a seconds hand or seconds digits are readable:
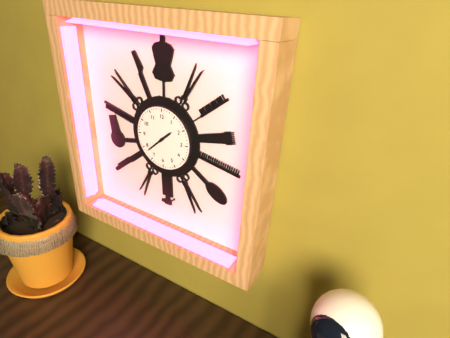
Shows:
1:38
